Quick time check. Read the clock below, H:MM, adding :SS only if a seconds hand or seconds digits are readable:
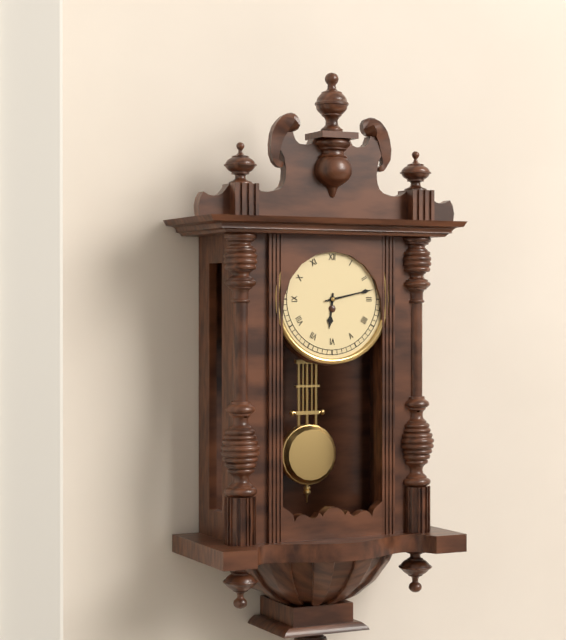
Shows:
6:13
